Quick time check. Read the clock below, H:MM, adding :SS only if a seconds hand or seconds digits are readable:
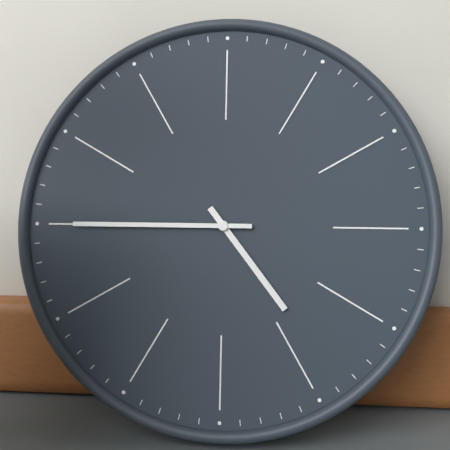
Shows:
4:45
